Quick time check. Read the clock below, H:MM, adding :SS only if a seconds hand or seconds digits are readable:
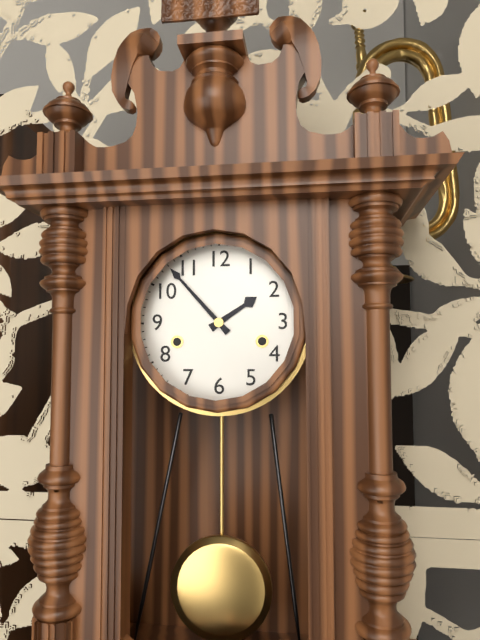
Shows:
1:53
